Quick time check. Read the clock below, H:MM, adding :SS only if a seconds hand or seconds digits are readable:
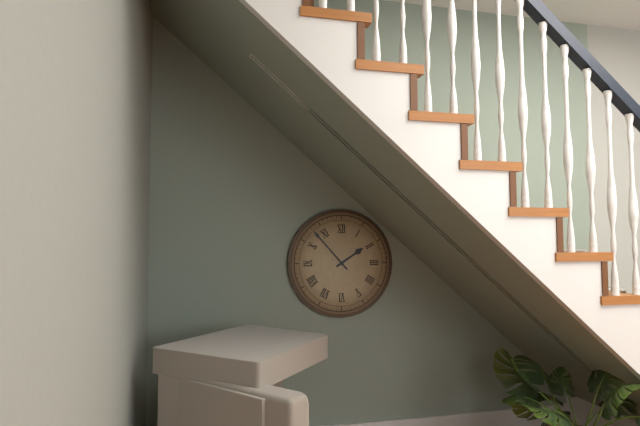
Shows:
1:53
